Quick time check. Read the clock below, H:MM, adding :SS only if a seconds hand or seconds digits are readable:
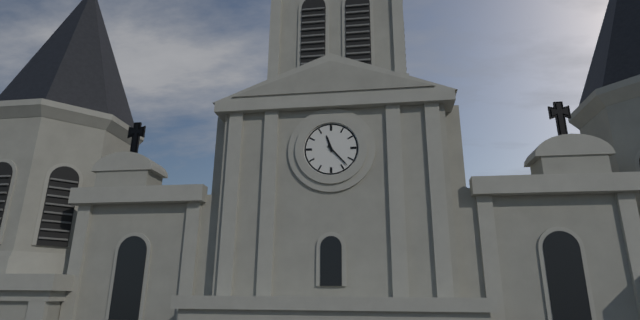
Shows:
11:23
